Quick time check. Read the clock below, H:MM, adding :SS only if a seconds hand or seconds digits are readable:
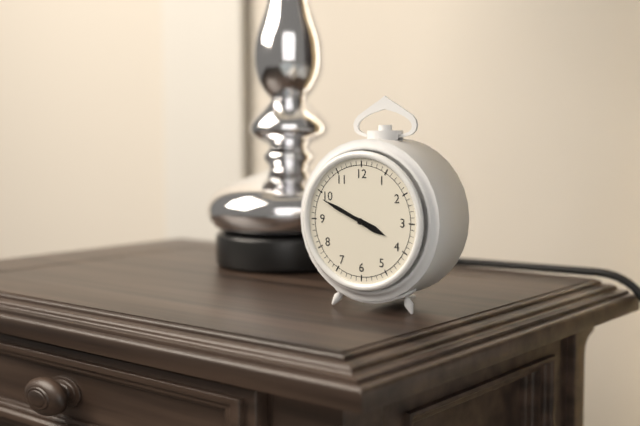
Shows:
3:49
